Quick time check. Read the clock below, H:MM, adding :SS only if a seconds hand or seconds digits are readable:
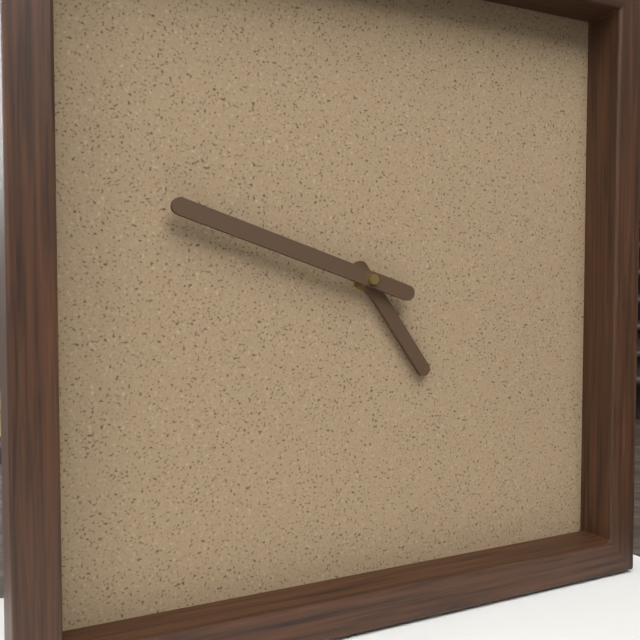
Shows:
4:48
